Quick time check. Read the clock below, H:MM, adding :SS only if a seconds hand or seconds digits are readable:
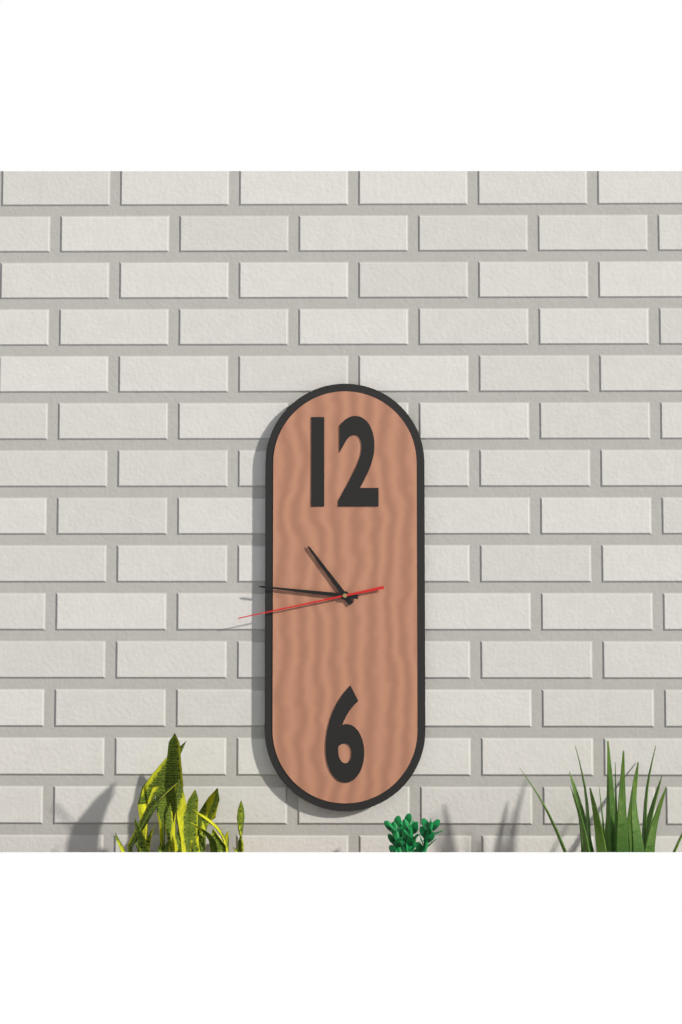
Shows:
10:46:43
